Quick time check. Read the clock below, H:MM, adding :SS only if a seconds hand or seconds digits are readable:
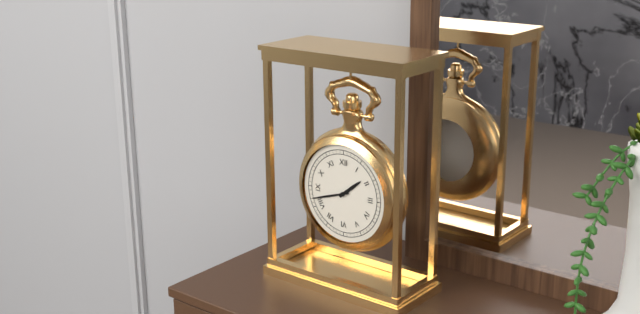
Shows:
1:42
